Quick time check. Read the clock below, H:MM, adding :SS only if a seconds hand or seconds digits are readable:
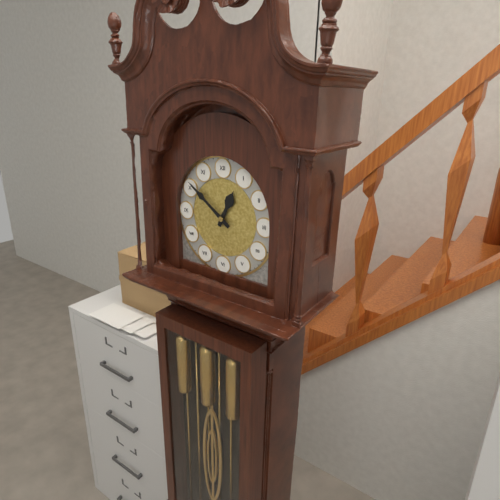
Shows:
12:51
